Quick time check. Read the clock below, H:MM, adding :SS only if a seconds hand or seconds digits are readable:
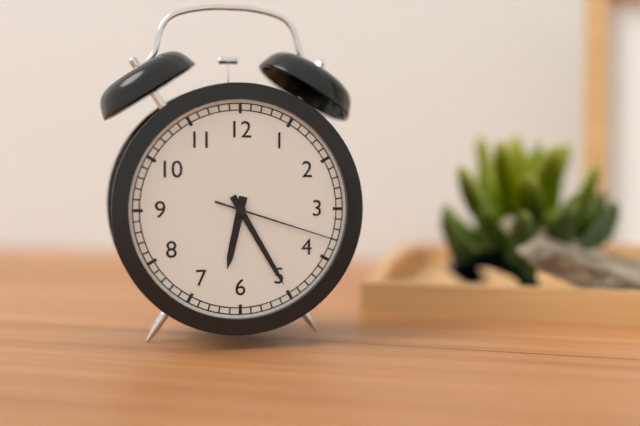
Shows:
6:25:18
